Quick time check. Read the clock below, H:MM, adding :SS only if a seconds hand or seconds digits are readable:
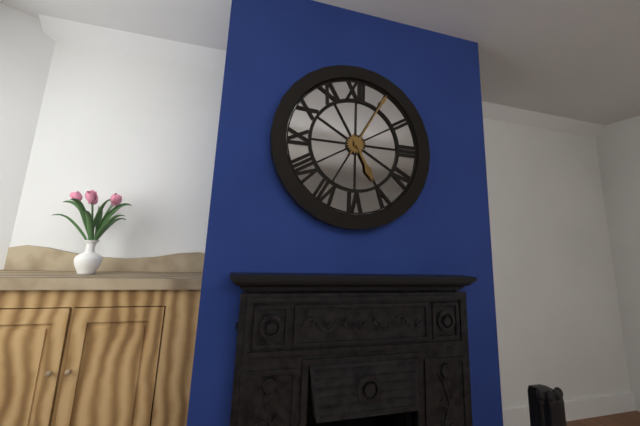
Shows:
5:05
